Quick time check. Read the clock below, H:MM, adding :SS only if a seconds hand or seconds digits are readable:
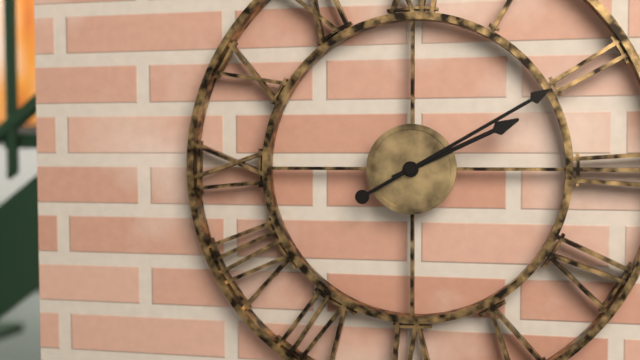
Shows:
2:10
